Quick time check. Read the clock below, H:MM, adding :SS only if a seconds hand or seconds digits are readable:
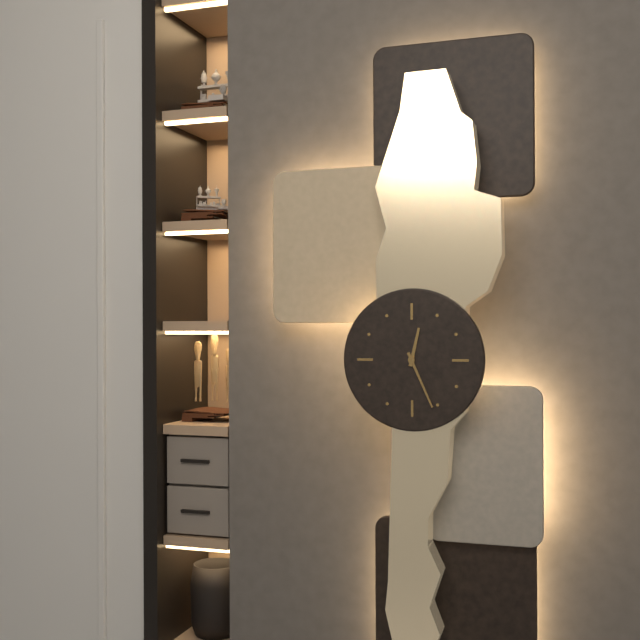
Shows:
12:26
